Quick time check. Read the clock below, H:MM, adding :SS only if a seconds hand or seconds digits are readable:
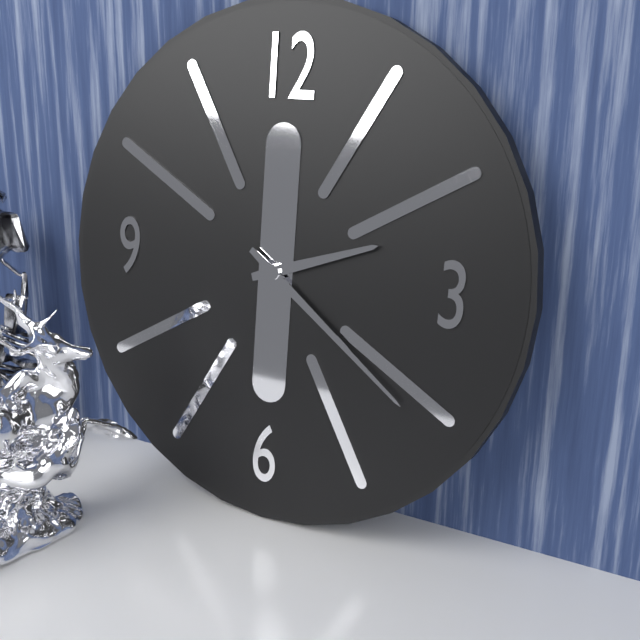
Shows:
2:21
